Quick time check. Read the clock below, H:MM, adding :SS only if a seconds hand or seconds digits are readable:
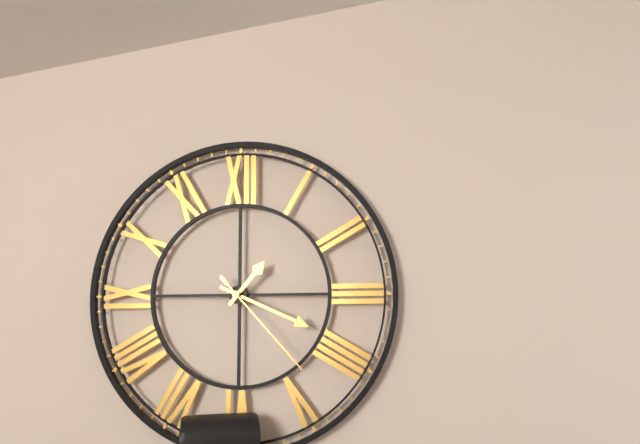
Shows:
1:19:23
